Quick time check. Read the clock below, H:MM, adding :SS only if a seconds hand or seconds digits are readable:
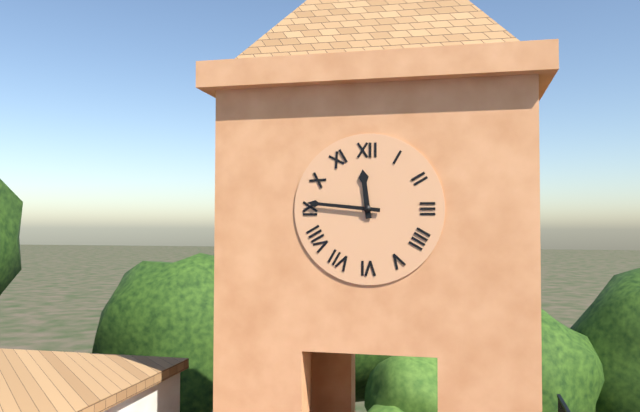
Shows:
11:46
